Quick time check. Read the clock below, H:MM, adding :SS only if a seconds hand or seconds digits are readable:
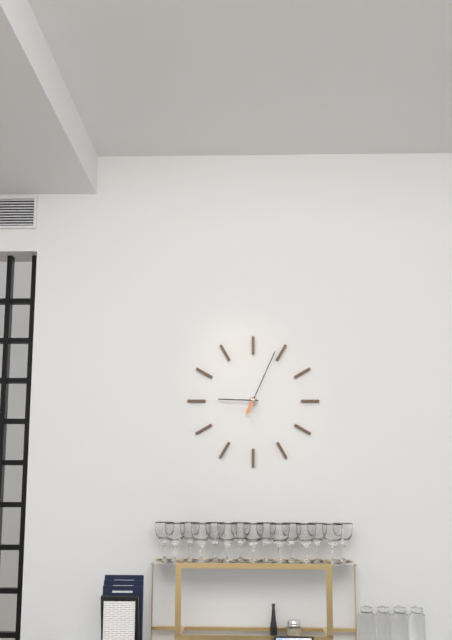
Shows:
9:04
